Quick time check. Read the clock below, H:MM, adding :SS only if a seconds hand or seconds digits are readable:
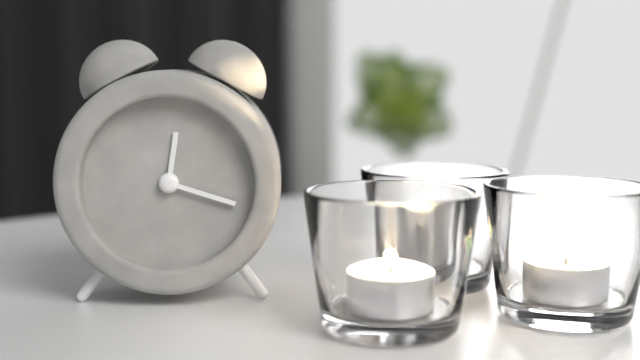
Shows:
12:18
